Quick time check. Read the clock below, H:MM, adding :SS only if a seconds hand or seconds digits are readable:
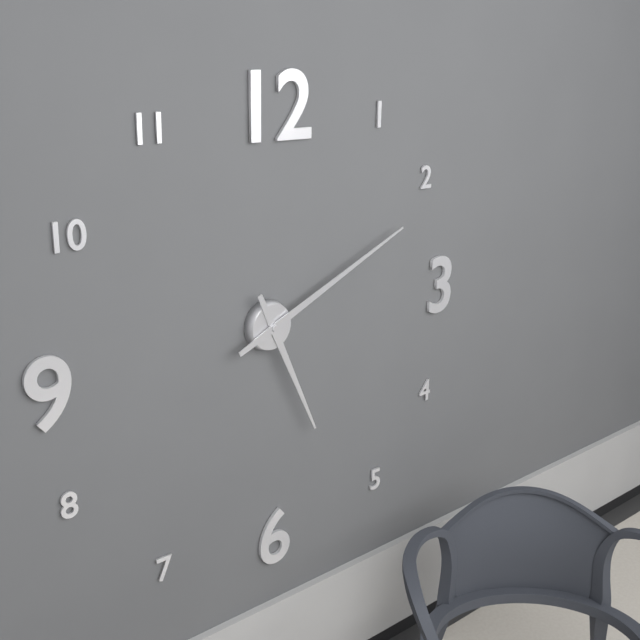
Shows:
5:11
